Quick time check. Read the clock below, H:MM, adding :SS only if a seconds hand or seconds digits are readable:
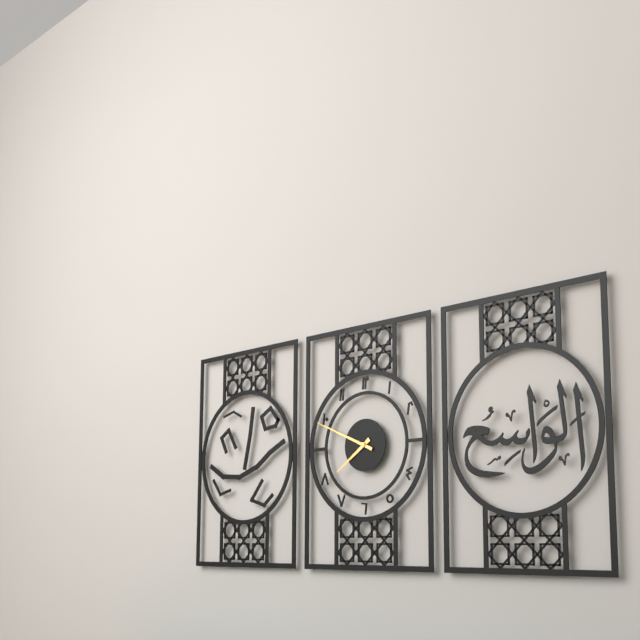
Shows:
7:49
